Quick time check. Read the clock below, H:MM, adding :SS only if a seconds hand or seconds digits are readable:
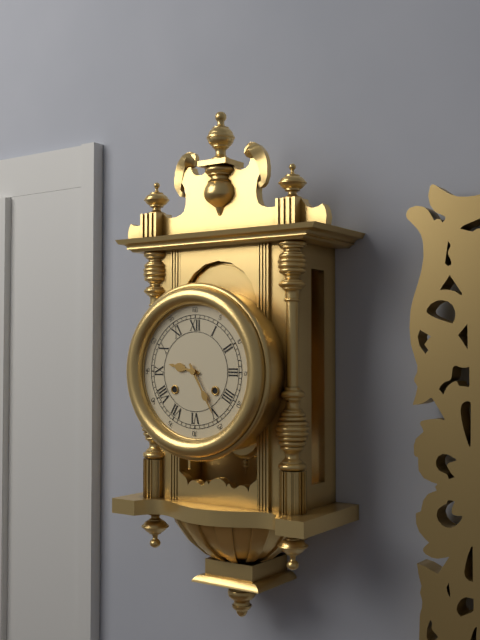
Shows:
9:25
